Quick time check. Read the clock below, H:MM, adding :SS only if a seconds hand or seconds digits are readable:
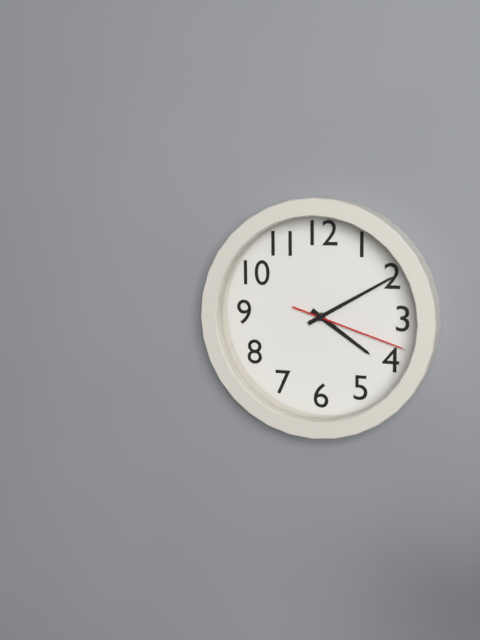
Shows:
4:10:18
